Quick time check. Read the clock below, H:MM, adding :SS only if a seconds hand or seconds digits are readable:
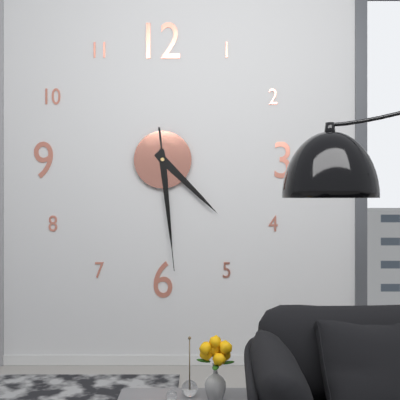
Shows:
4:29:29
